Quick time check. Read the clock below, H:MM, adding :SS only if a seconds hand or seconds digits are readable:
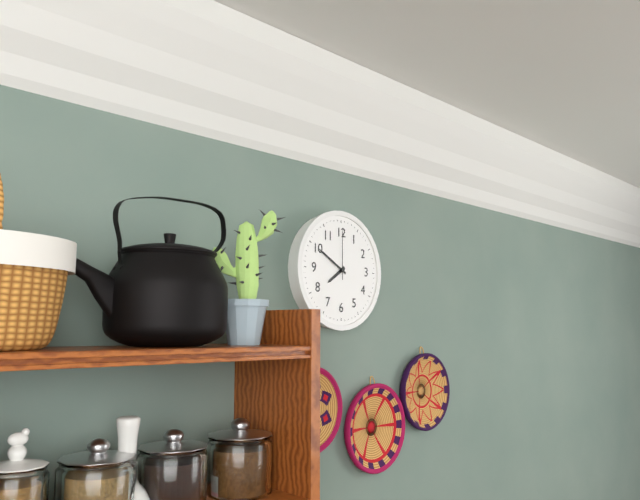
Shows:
7:50:00
